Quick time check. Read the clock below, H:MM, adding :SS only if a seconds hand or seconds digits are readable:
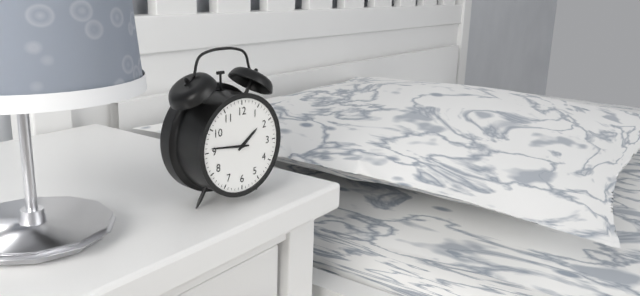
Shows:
1:46
